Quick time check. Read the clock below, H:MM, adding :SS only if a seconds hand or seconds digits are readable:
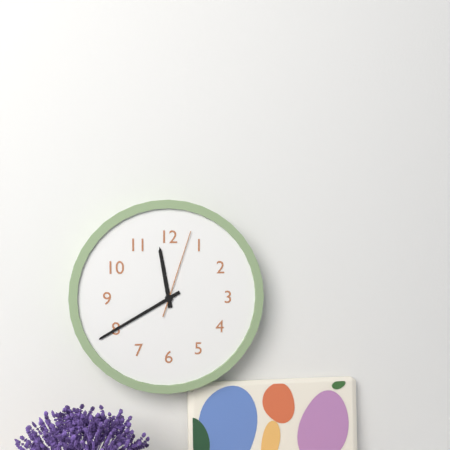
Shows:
11:40:03
